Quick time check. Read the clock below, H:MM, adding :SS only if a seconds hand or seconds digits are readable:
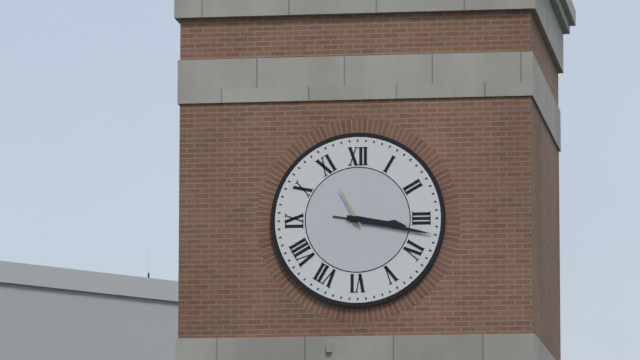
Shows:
3:17
